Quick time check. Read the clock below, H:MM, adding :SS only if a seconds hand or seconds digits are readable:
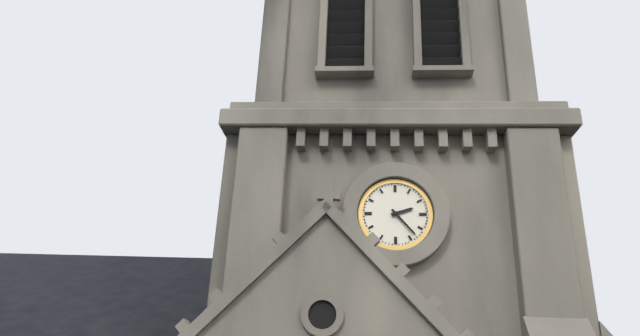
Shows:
2:23
